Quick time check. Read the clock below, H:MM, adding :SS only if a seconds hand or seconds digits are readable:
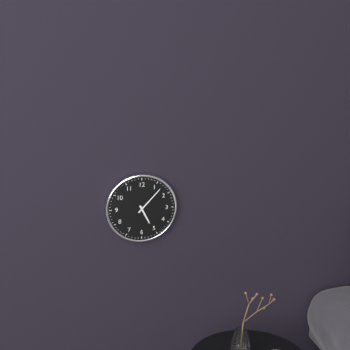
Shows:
5:07
